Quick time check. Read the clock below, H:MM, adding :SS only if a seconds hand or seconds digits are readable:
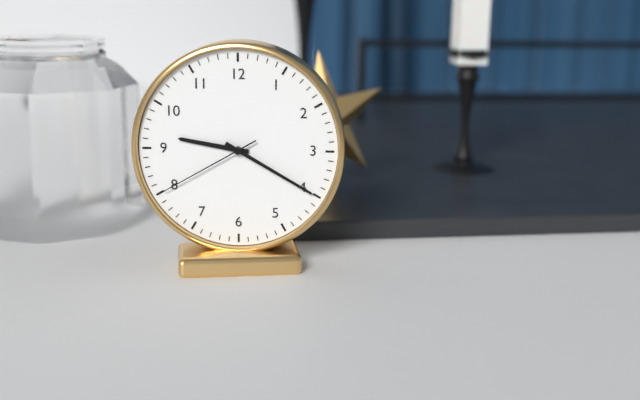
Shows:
9:20:40
